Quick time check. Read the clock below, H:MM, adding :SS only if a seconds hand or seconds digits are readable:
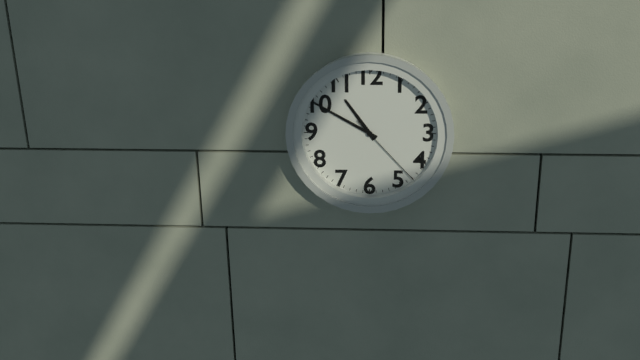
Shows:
10:50:23
